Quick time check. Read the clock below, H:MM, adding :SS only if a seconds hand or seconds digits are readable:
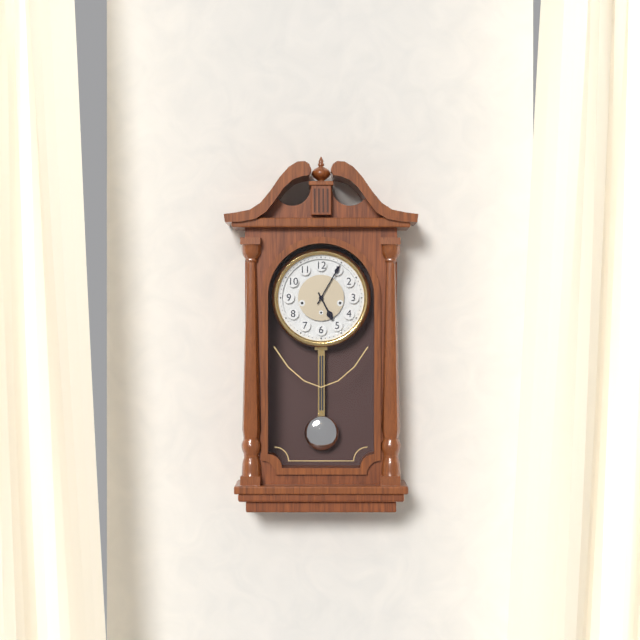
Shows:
5:05
